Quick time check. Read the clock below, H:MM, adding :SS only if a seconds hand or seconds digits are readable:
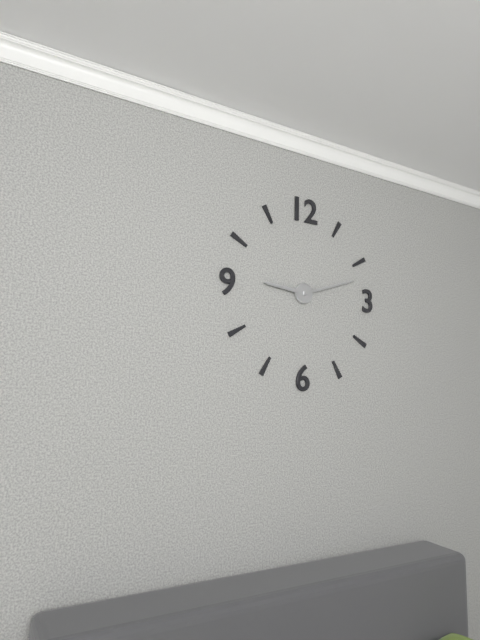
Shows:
9:12
